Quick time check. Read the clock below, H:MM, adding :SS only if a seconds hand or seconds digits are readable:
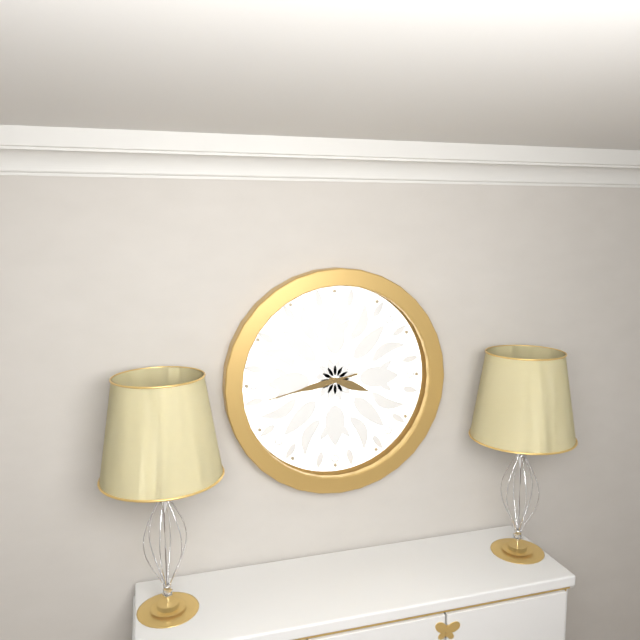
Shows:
3:43
